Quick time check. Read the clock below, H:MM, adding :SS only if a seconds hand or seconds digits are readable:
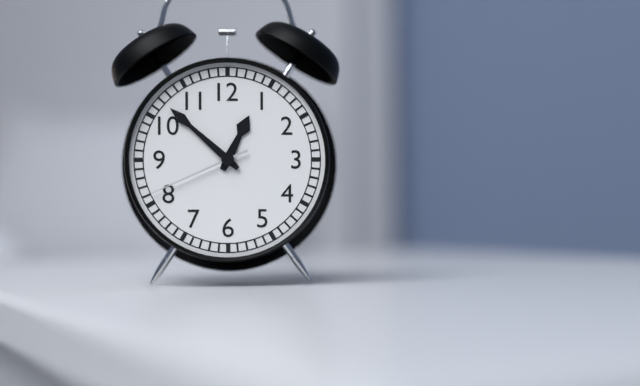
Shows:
12:52:41
